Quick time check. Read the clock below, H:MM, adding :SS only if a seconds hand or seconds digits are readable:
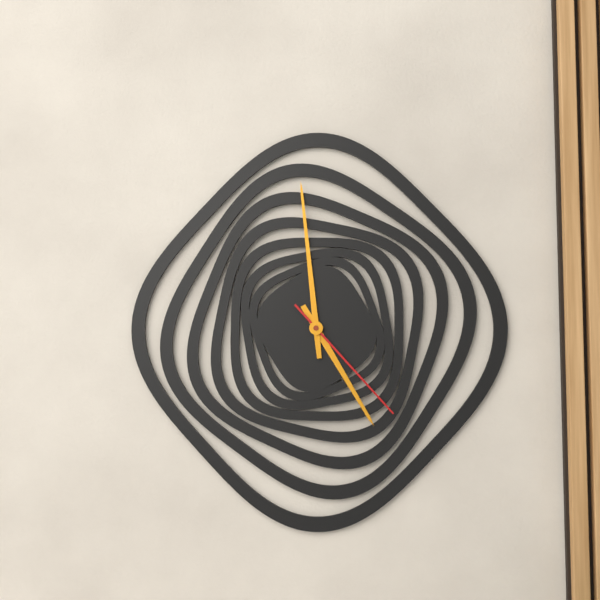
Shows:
4:59:23
